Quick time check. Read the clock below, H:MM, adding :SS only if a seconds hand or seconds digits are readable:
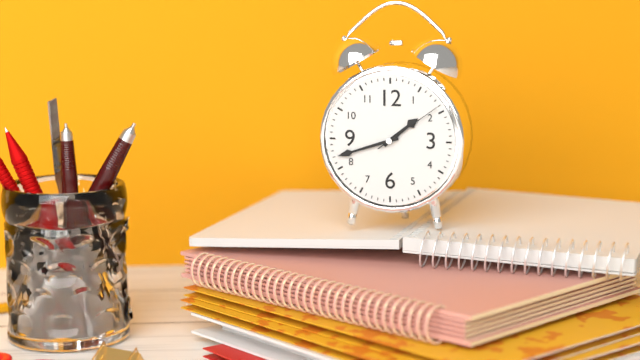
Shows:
1:42:09
